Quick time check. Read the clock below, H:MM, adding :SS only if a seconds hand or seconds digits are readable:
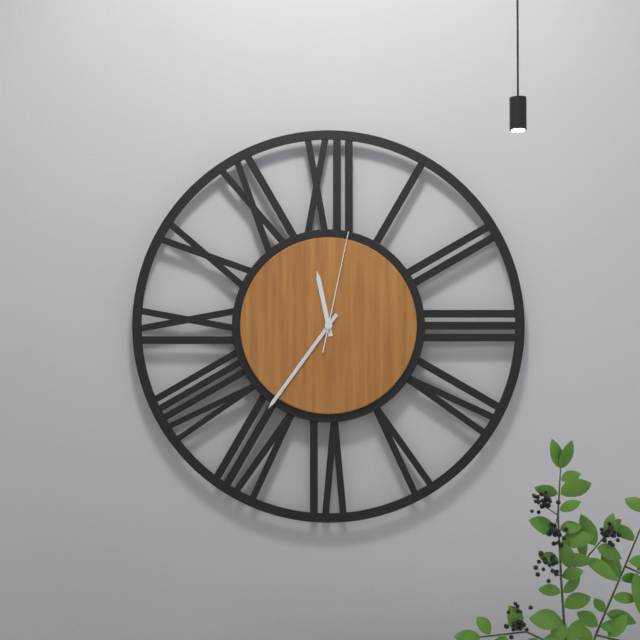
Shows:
11:36:02
